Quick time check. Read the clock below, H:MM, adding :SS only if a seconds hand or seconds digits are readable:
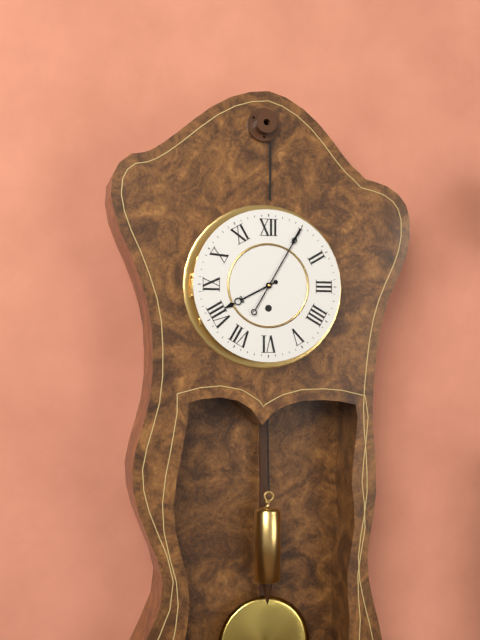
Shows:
8:05
